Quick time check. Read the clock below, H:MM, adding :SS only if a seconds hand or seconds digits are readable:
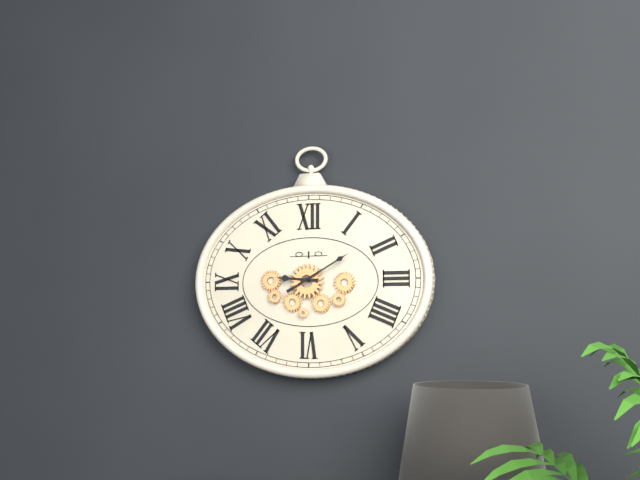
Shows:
9:10
